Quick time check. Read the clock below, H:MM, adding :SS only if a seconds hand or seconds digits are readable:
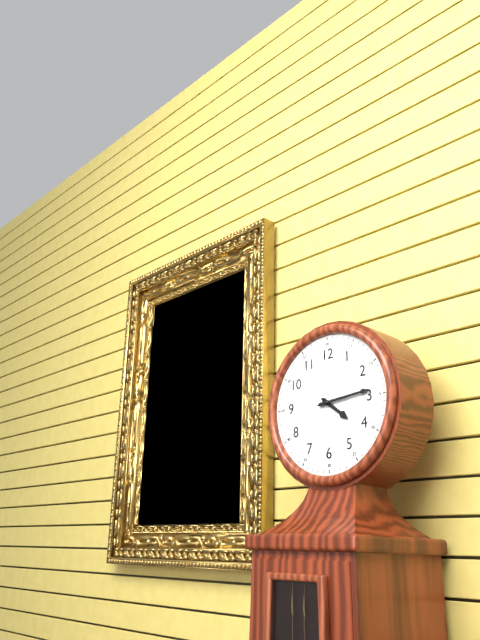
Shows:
4:14
